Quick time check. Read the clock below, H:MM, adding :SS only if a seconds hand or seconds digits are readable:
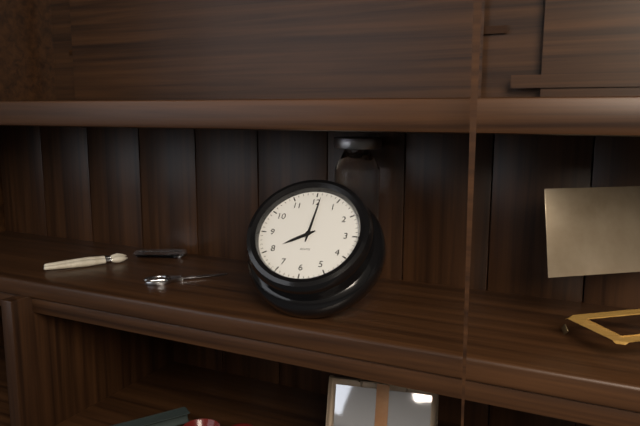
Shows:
8:01
